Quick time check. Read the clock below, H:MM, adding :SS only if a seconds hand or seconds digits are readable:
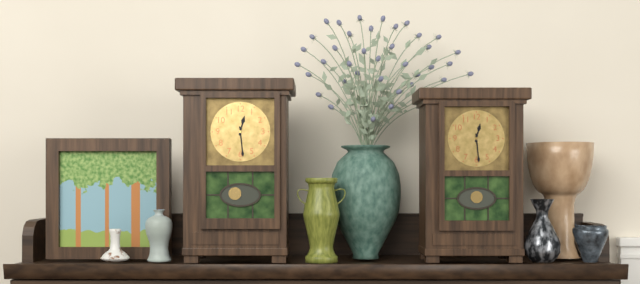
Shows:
12:29
